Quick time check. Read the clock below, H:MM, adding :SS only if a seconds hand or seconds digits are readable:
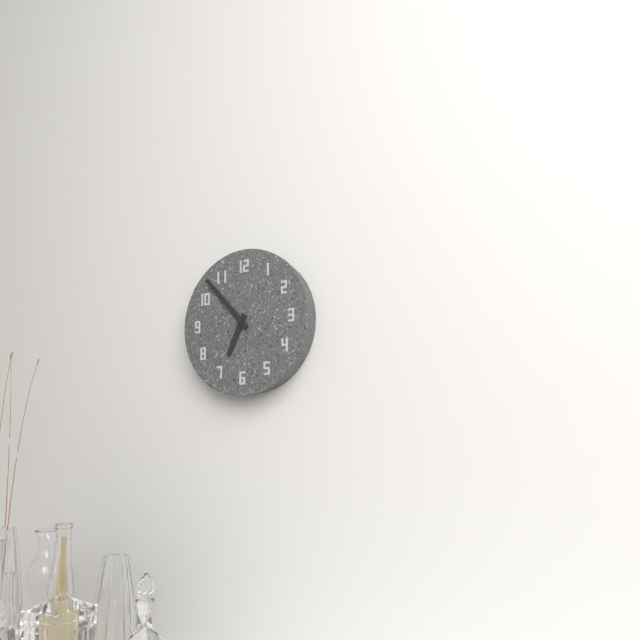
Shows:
6:53
